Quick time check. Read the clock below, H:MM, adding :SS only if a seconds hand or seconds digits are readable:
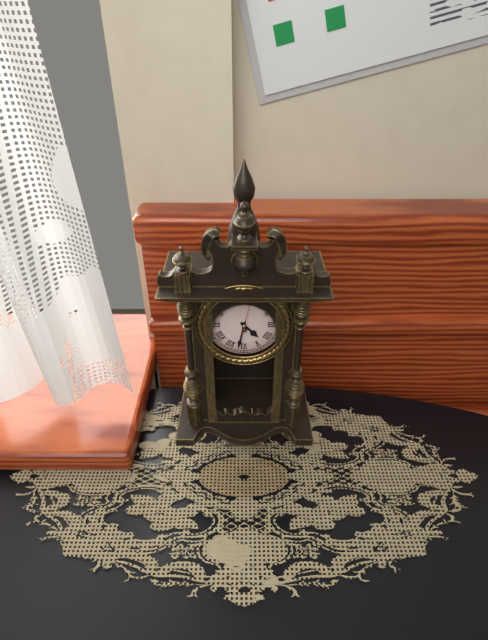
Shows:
4:32
